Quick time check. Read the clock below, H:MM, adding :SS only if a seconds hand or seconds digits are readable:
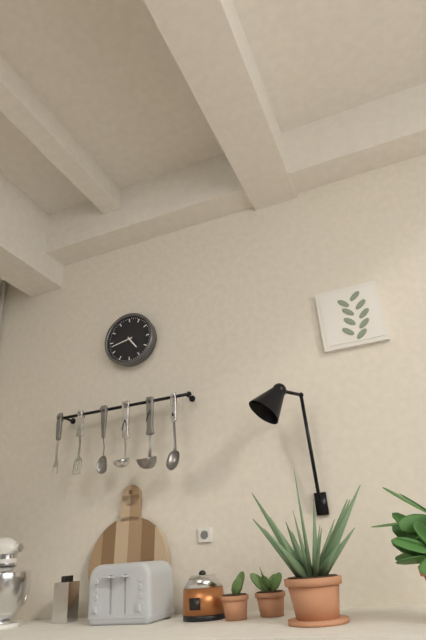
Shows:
4:43
